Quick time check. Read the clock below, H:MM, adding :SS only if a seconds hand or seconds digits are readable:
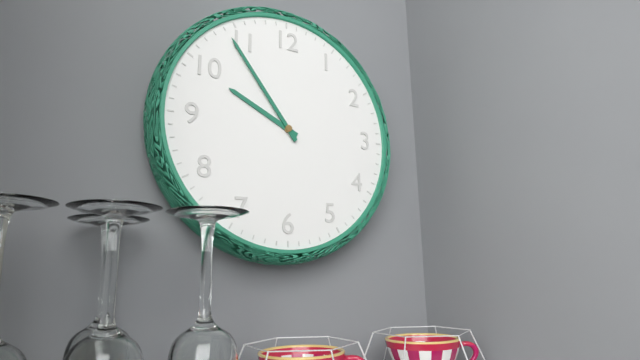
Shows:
9:54
